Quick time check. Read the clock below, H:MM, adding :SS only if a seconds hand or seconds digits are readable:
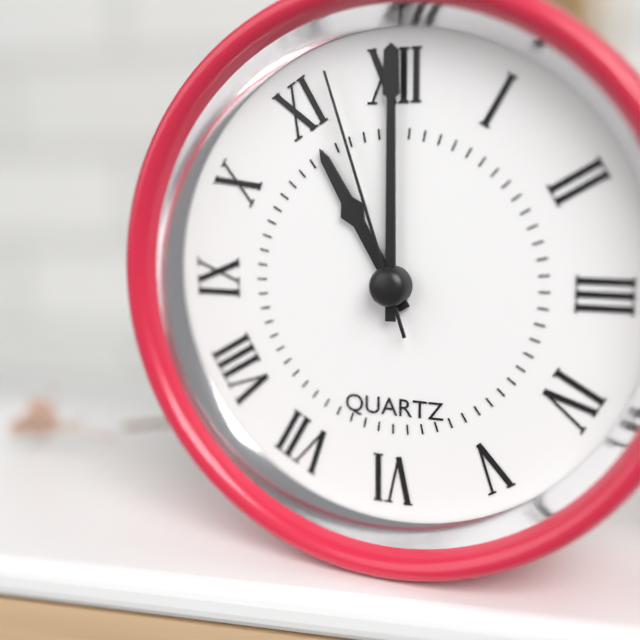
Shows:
11:00:57
